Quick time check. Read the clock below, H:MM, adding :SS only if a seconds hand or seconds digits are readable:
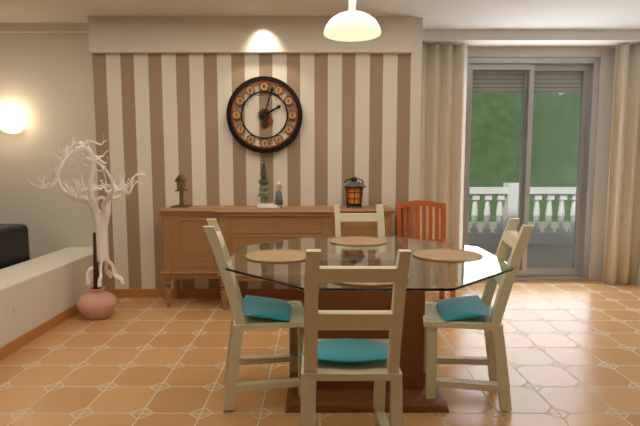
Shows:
2:03
